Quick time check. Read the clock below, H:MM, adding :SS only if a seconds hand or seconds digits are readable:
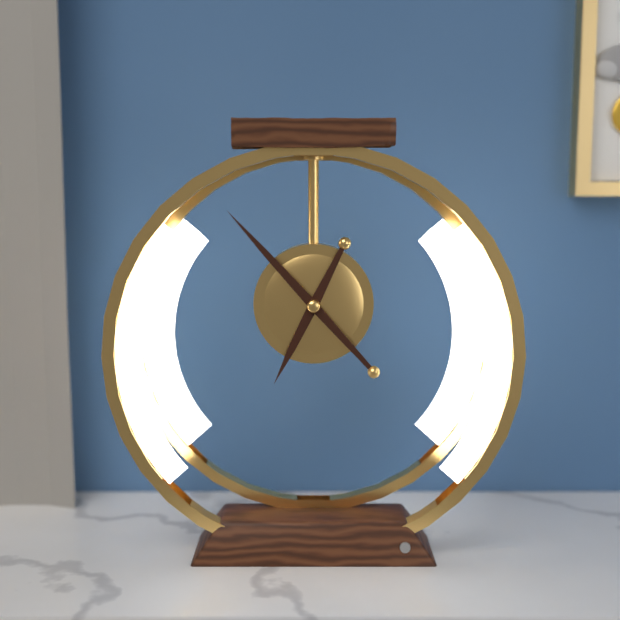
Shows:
6:53
